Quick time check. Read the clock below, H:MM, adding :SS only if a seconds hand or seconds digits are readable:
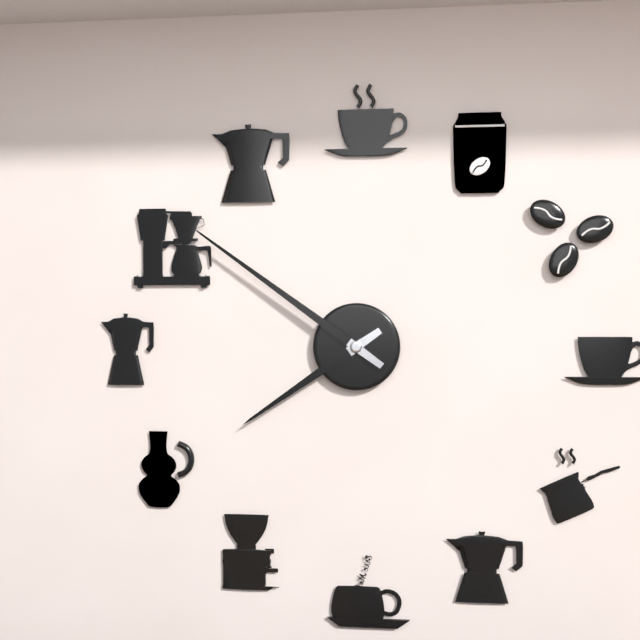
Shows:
7:51
